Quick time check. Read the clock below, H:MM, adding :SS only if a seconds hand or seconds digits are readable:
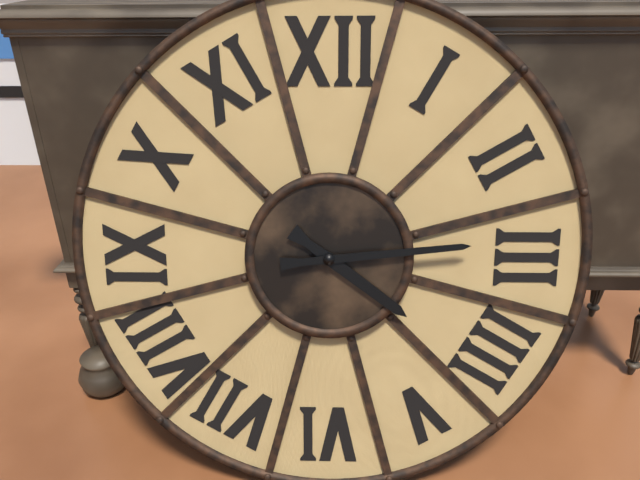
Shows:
4:14
